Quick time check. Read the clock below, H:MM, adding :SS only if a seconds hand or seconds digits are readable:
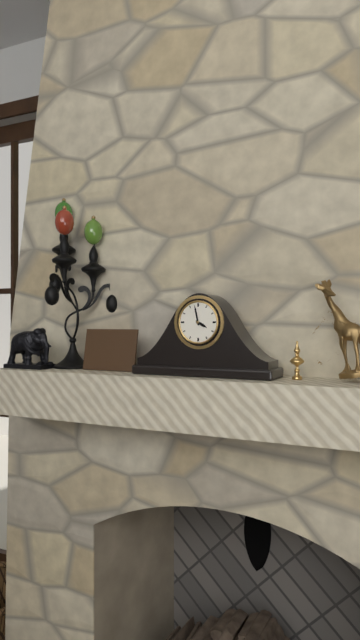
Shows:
3:58
